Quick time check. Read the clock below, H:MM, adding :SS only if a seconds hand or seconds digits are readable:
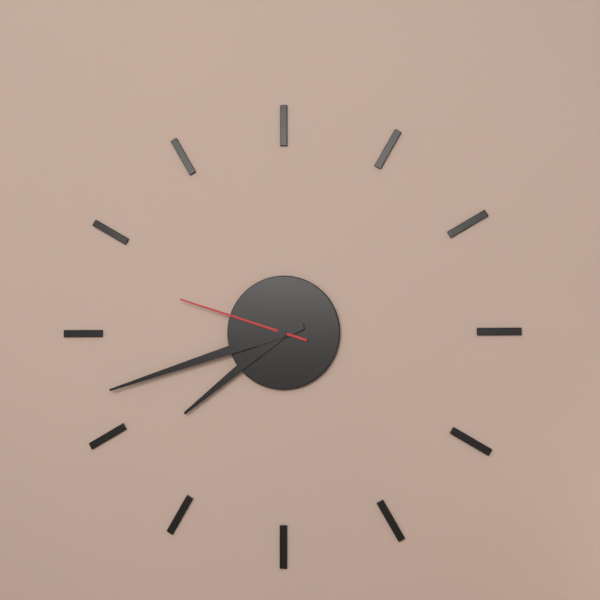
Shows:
7:42:48
